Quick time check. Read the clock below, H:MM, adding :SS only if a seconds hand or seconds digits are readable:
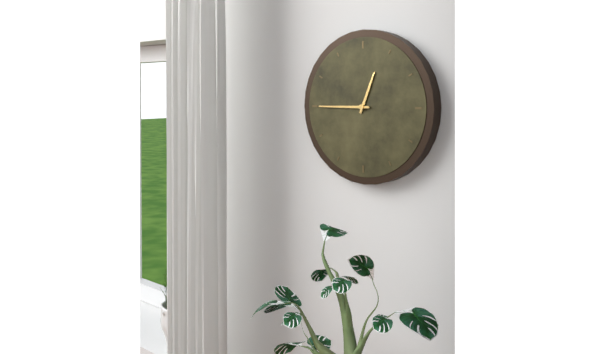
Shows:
12:45
